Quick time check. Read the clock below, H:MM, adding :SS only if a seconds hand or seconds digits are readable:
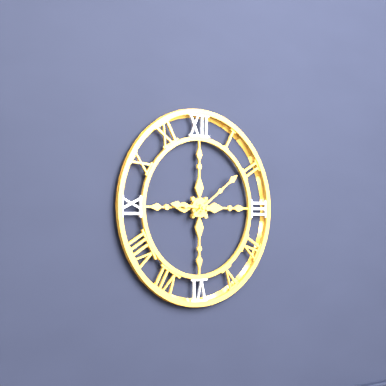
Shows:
9:09
